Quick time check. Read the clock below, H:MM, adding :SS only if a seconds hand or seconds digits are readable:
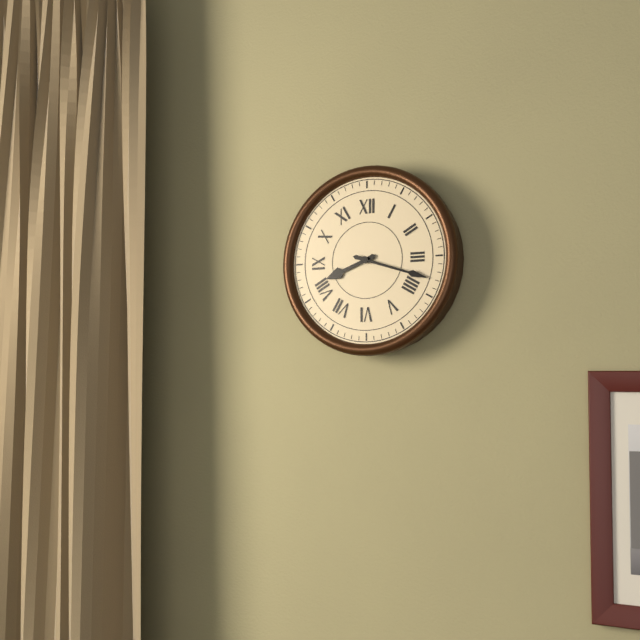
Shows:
8:18
